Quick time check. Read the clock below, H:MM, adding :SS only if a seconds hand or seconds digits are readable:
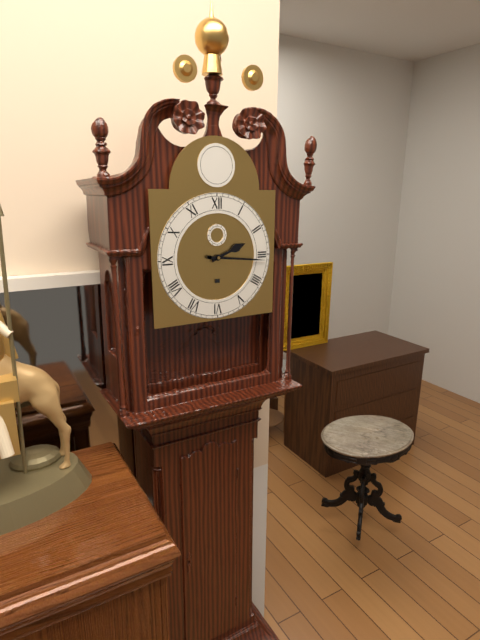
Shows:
2:16
